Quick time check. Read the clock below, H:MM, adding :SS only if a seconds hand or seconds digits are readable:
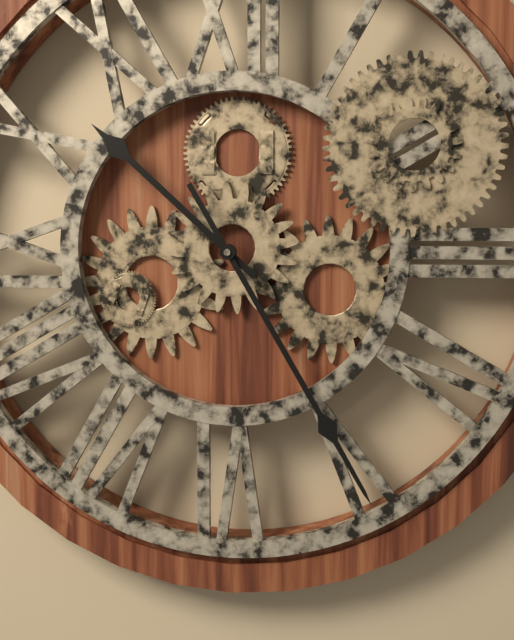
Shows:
10:25
